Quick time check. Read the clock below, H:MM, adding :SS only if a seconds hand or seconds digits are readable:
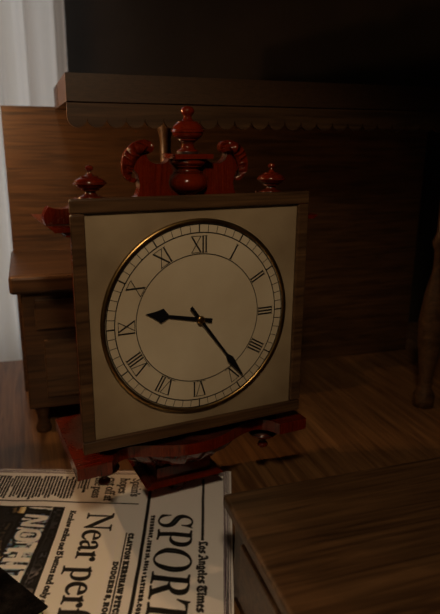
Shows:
9:24
